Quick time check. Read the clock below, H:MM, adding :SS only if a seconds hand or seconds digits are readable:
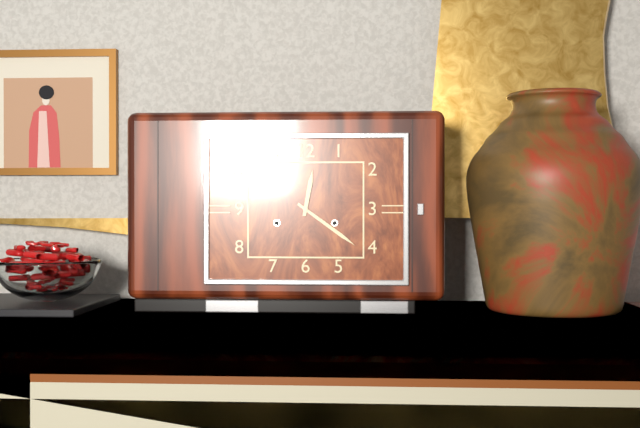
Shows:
12:21
